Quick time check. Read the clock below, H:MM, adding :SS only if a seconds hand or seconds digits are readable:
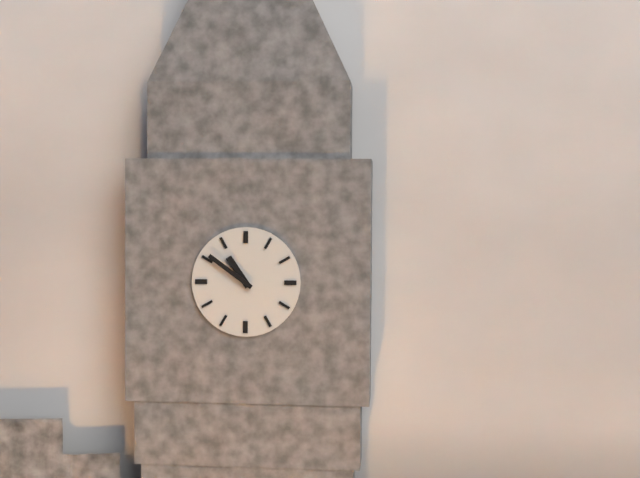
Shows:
10:51
